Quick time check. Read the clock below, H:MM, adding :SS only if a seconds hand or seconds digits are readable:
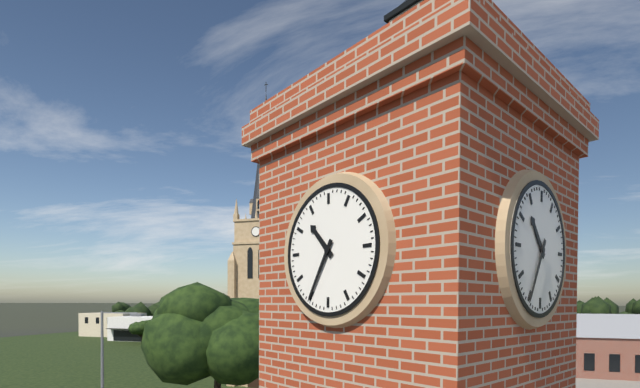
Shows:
10:35
